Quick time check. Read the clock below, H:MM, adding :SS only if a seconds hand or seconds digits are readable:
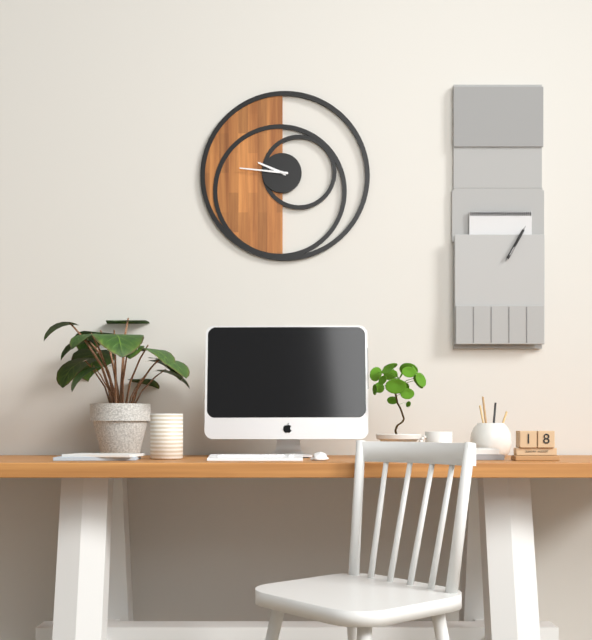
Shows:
9:46
